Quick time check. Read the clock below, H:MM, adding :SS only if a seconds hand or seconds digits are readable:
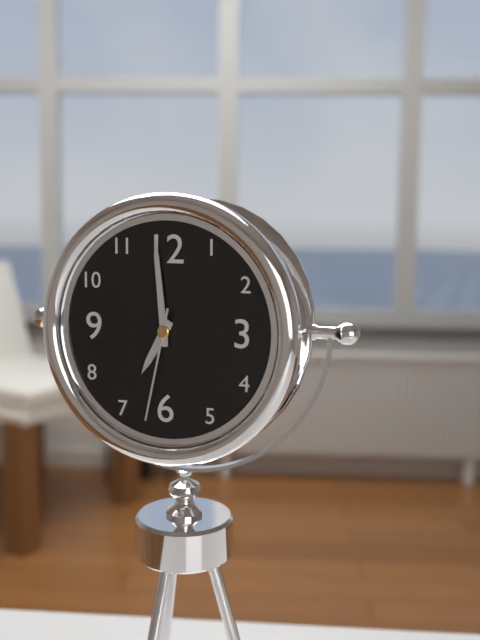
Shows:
6:59:32
